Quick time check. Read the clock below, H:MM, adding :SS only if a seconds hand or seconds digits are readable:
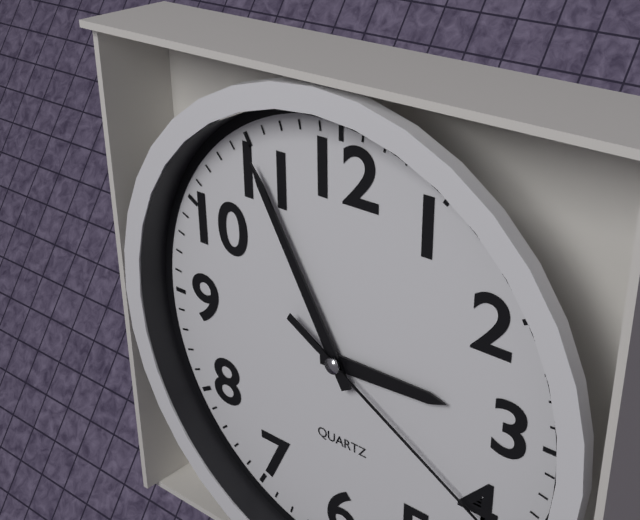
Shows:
2:55
